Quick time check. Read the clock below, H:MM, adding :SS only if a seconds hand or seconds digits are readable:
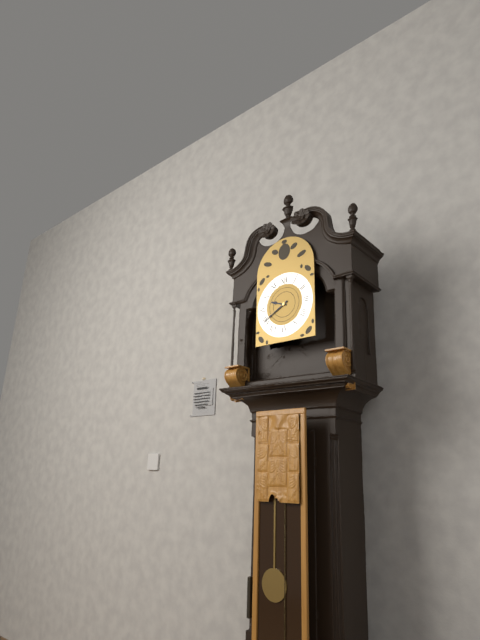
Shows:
9:40
